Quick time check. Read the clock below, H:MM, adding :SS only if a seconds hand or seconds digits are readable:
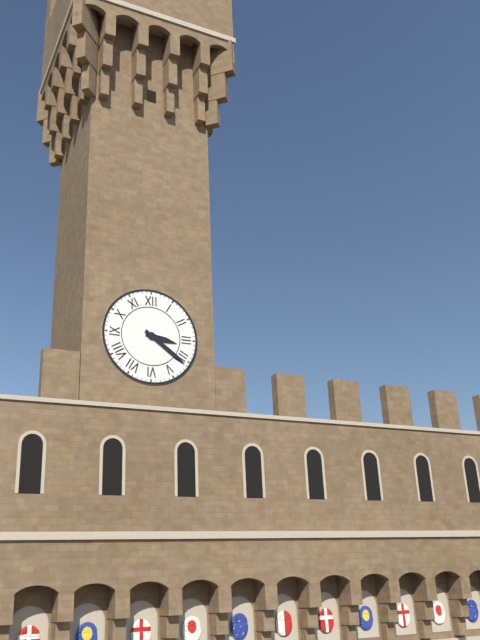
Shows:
3:21
